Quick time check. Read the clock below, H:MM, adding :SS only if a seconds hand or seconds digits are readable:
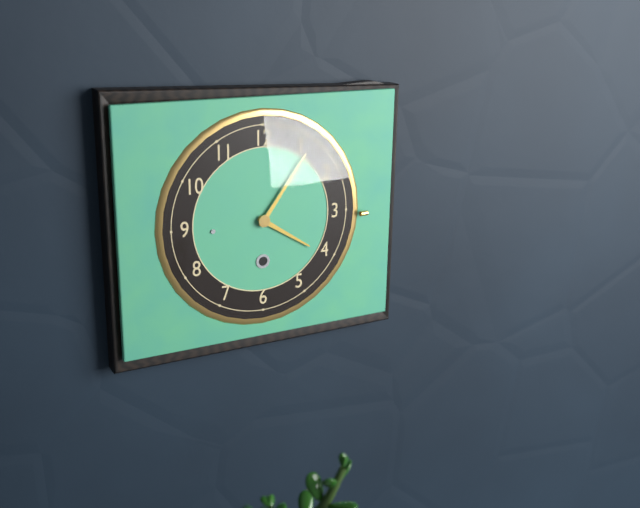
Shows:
4:06
